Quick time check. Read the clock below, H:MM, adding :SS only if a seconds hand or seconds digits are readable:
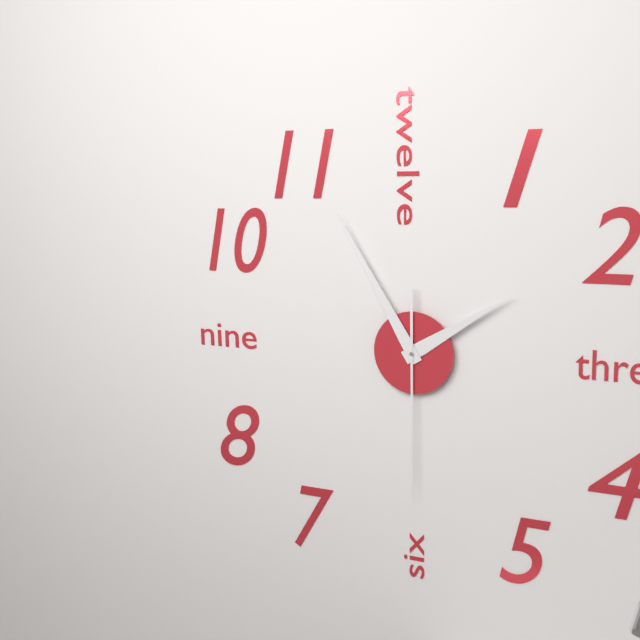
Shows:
1:55:30
